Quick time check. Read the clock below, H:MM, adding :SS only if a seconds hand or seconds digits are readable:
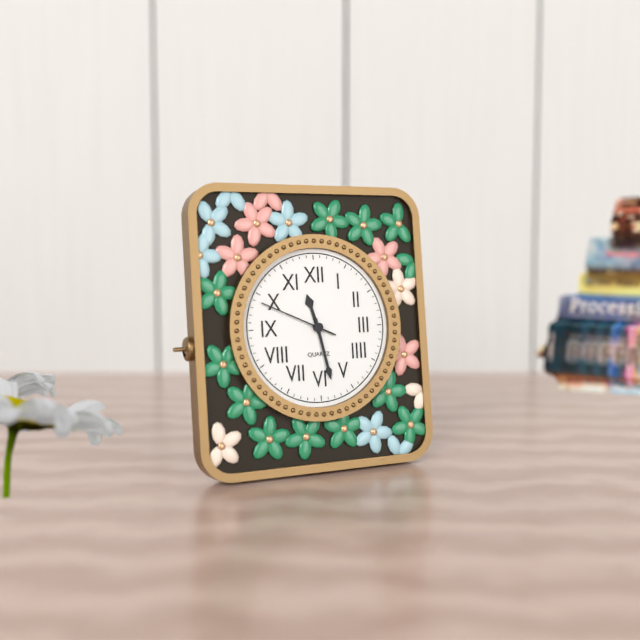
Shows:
11:28:49
